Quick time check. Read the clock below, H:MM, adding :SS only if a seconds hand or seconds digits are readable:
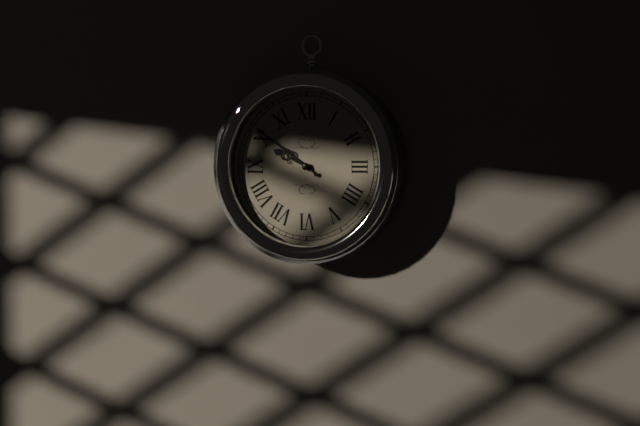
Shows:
9:51
